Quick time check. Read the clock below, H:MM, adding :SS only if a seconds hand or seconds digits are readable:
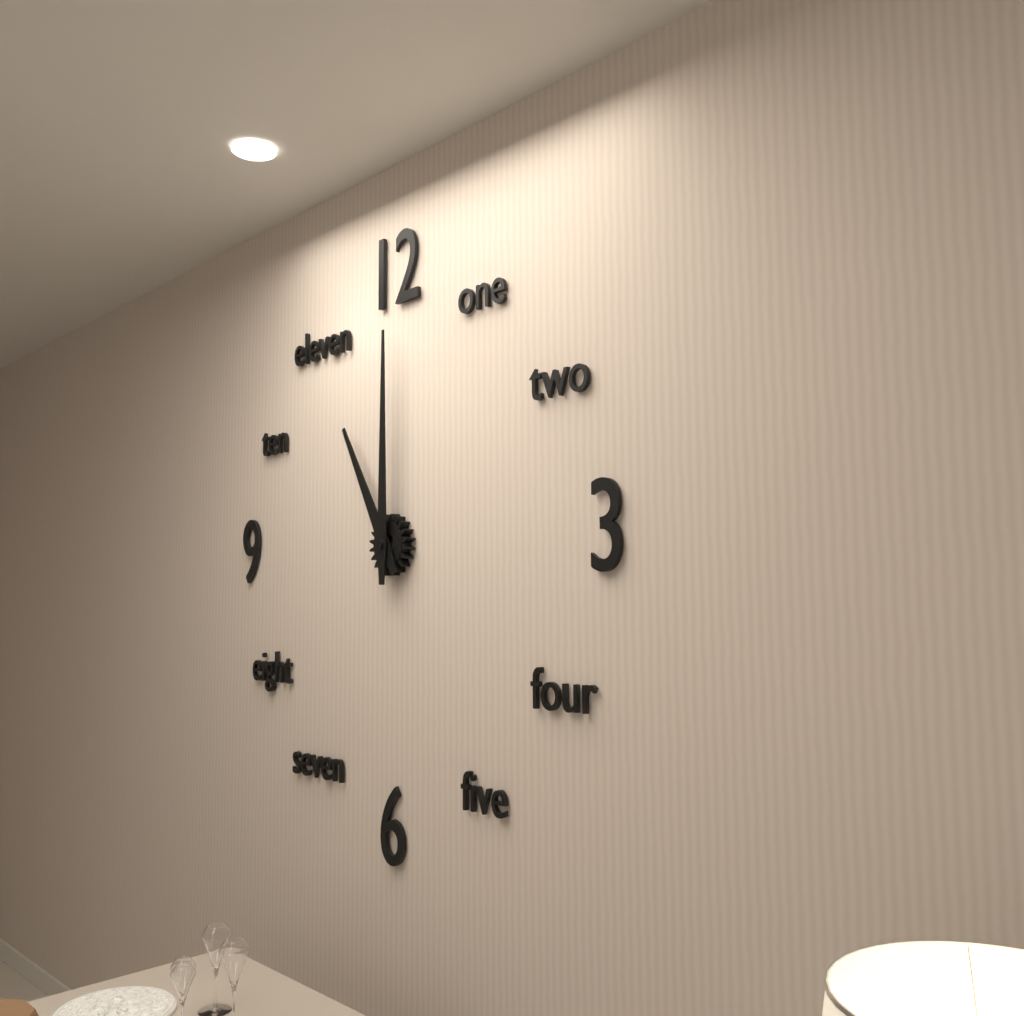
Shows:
11:00
